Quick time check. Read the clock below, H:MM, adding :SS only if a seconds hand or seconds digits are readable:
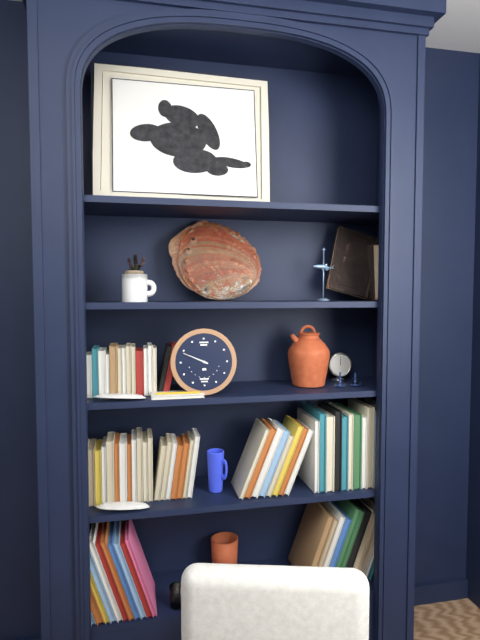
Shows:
9:49
